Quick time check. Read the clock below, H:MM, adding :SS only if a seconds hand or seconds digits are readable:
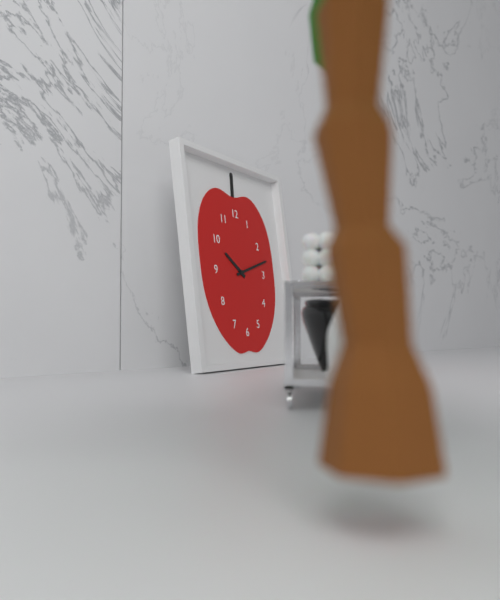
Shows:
10:12
